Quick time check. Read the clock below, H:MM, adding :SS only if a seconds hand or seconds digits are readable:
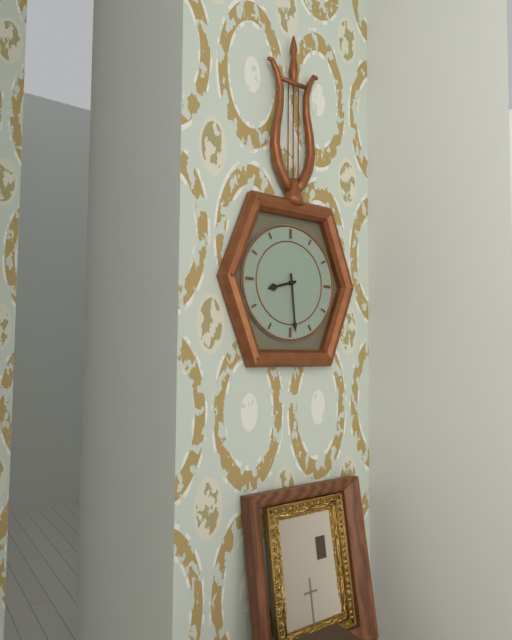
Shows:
8:29
